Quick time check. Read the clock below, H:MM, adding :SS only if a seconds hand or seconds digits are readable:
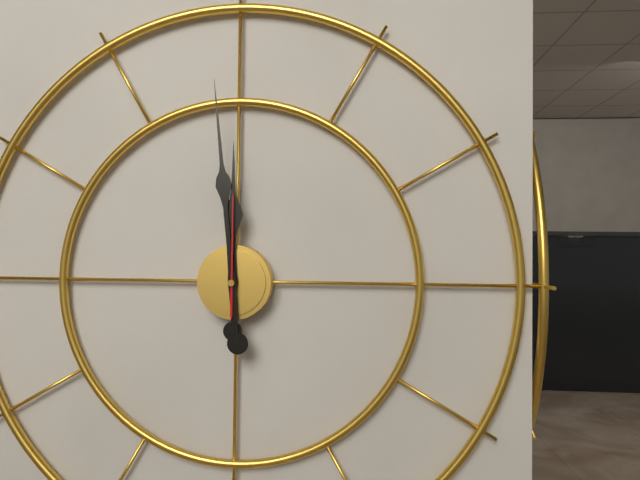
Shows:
11:59:00
